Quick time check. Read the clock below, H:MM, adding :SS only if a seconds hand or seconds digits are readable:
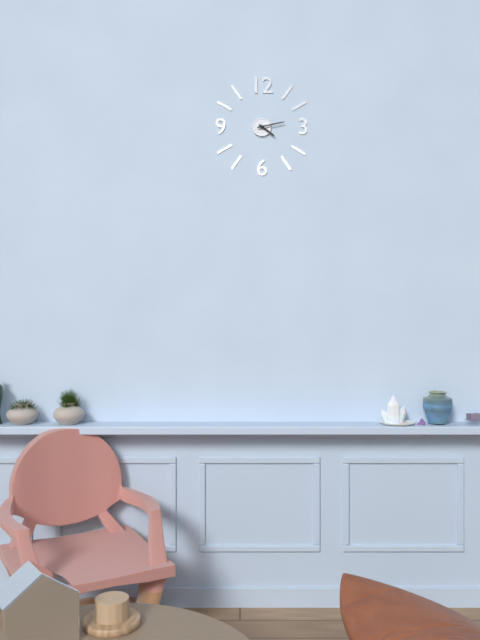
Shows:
4:13
